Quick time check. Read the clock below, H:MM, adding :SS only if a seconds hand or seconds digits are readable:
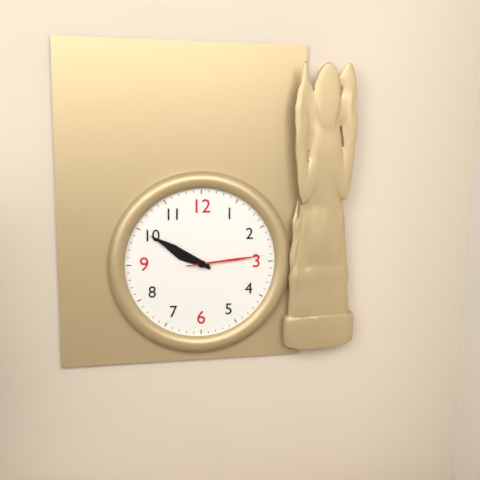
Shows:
9:50:14
